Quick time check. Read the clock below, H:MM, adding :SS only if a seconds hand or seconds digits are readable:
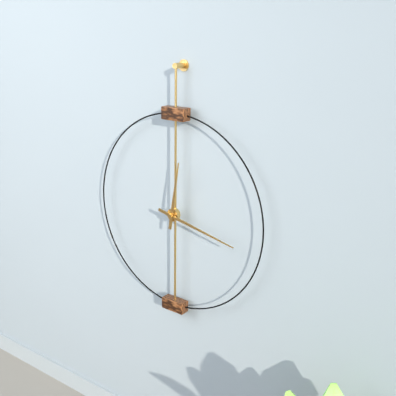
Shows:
12:17
